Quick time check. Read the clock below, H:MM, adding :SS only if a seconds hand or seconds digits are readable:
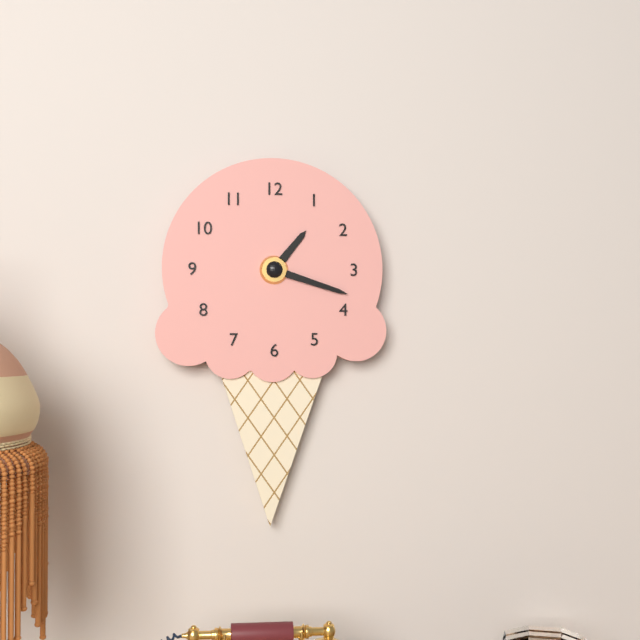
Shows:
1:18
